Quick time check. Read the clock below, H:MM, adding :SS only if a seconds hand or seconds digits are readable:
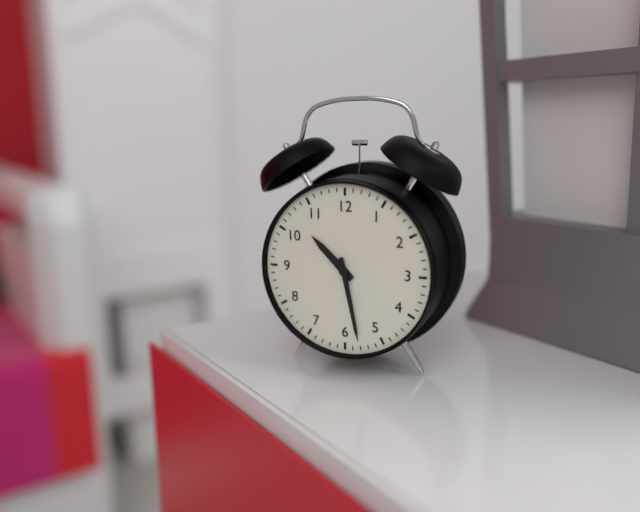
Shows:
10:28
